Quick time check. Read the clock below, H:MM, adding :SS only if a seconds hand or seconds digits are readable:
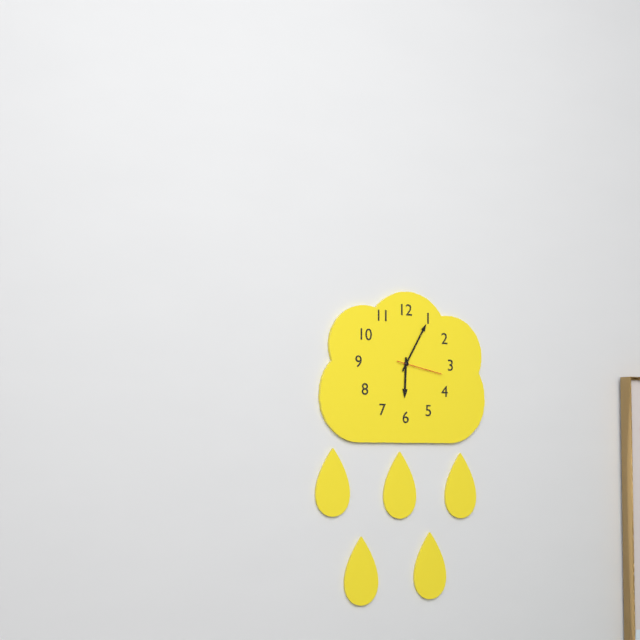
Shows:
6:05:17
